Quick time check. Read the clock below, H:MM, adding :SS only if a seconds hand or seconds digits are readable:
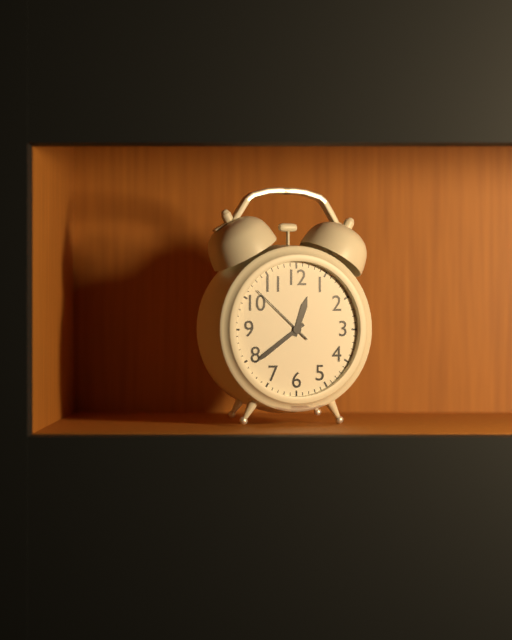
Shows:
12:39:52
